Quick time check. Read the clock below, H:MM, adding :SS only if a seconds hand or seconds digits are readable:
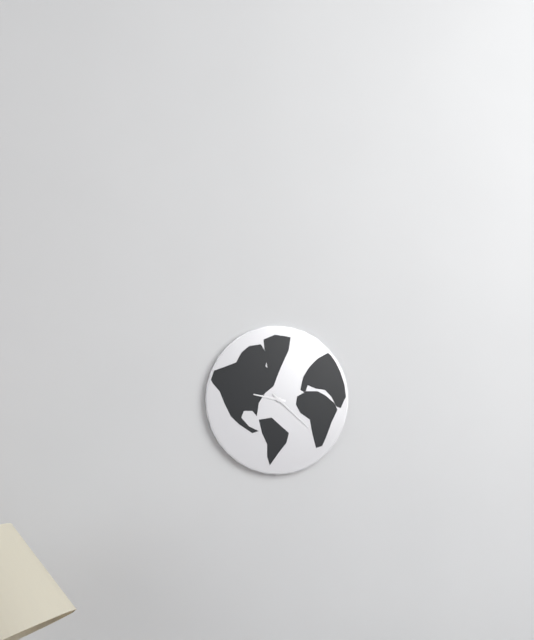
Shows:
9:22
